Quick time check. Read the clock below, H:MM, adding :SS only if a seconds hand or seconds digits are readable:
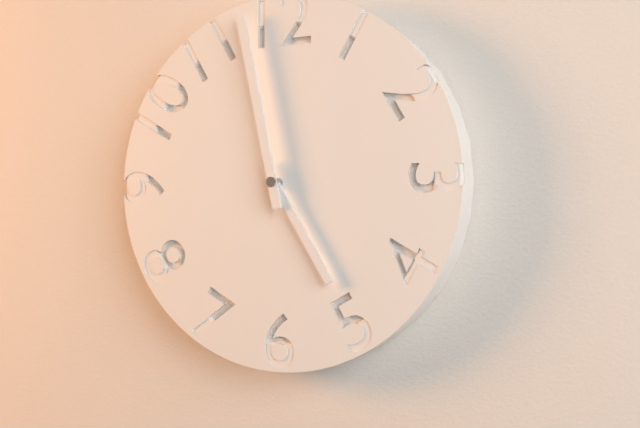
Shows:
4:58
